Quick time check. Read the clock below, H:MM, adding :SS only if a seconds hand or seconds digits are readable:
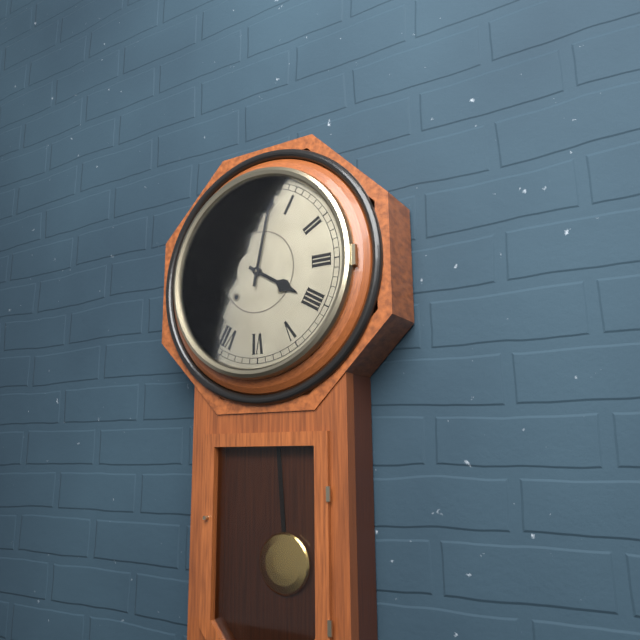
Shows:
4:02
